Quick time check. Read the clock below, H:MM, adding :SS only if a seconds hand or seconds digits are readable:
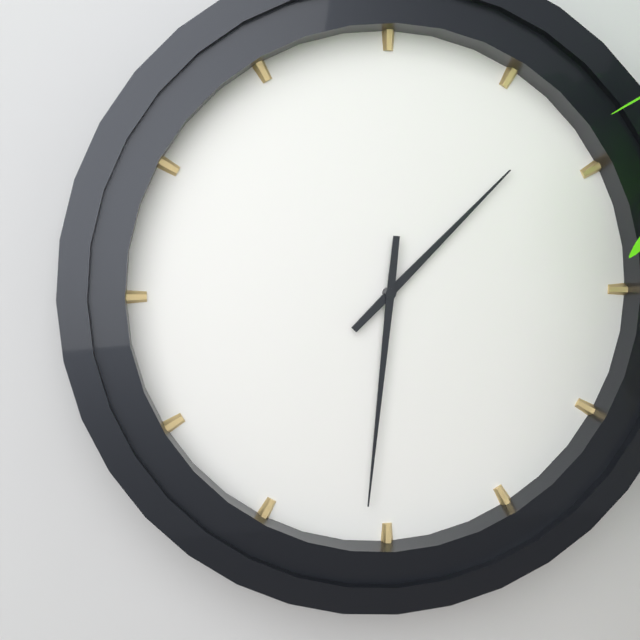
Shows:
1:31
